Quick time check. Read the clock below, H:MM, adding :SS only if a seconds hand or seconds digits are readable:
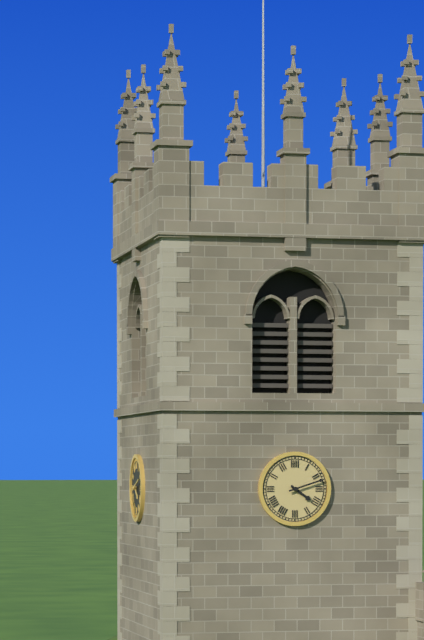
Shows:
4:12
